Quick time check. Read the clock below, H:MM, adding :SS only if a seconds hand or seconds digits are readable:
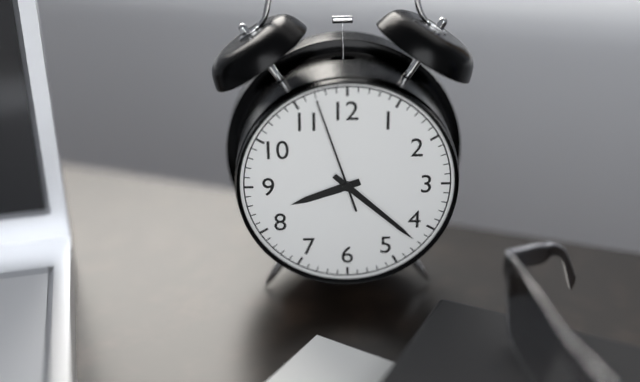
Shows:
8:22:57
